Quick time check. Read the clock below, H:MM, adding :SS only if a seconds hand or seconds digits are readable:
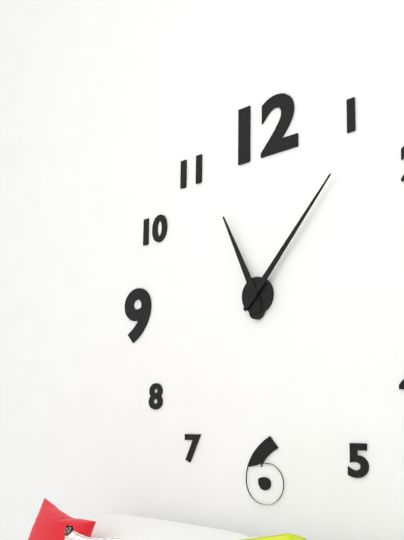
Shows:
11:07
